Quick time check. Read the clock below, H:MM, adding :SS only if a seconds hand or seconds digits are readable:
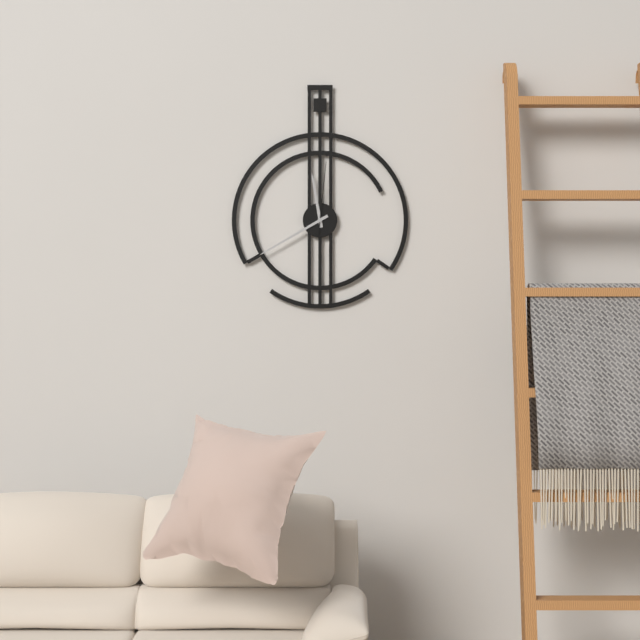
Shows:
11:40:01
